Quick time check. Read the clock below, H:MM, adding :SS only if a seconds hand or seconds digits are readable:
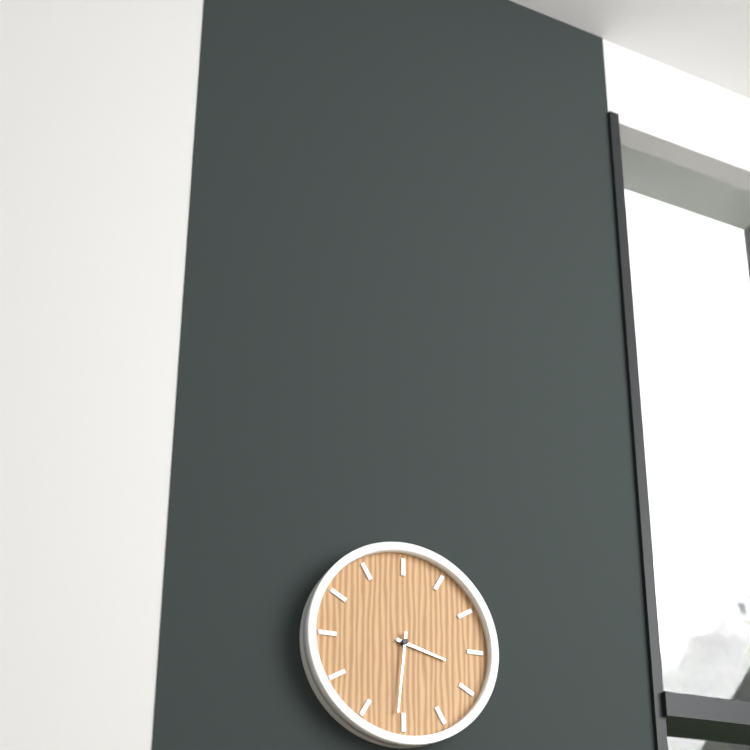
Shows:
3:31
